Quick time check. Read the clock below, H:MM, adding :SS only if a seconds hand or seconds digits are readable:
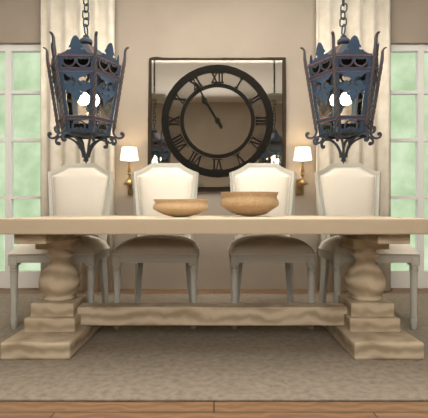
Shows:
10:55
